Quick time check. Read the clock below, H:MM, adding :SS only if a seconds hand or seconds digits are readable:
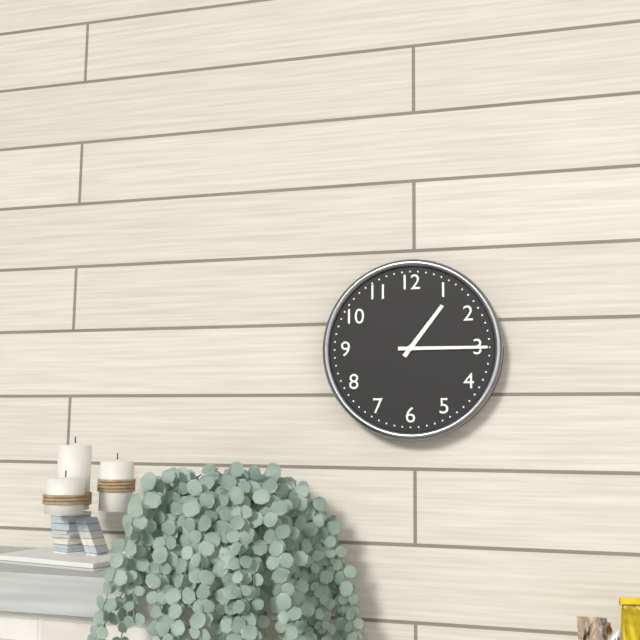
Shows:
1:15
